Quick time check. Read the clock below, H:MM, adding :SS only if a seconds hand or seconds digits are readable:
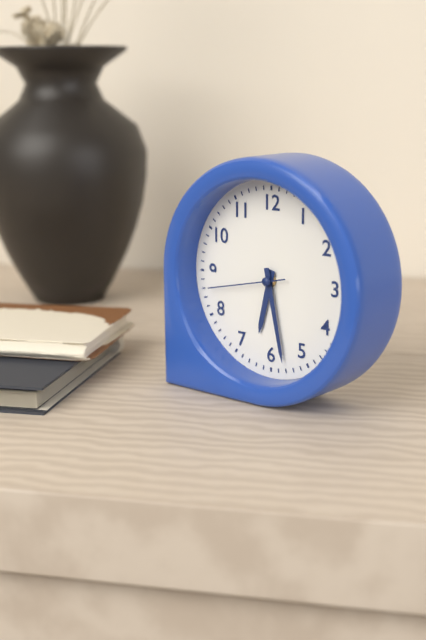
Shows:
6:28:43
